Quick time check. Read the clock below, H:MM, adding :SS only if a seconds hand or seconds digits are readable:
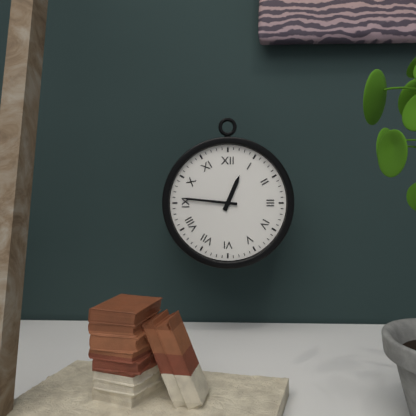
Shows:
12:46
